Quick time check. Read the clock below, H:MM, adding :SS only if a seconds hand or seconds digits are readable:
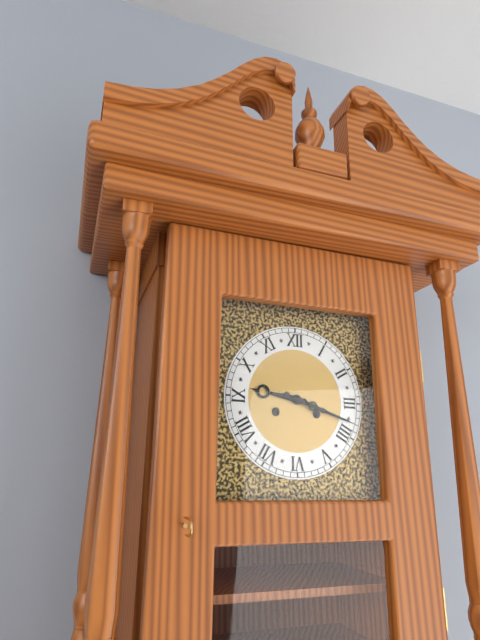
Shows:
9:18
